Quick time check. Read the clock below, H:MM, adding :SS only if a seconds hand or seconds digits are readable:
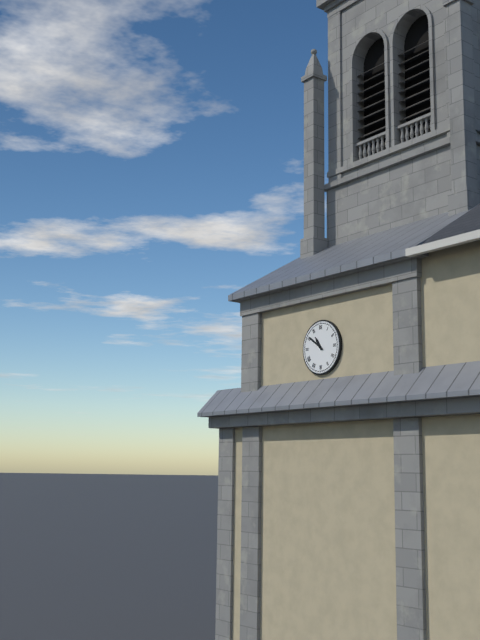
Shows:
10:51
